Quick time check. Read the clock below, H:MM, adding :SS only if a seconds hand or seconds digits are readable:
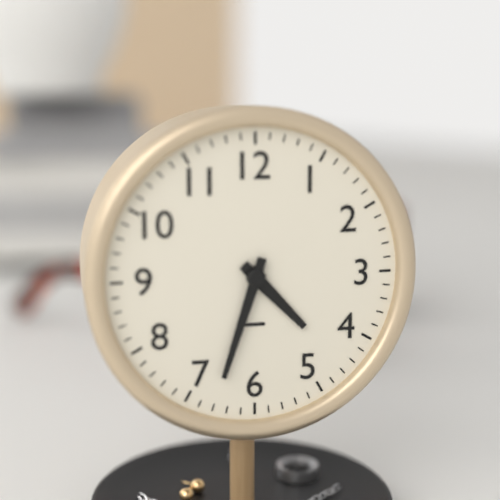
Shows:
4:33
